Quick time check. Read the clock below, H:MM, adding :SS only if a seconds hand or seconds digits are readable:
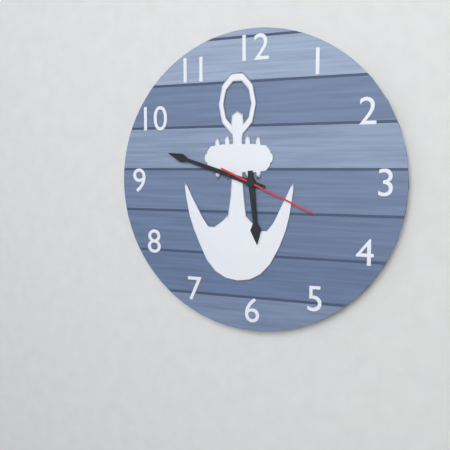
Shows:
5:48:19
